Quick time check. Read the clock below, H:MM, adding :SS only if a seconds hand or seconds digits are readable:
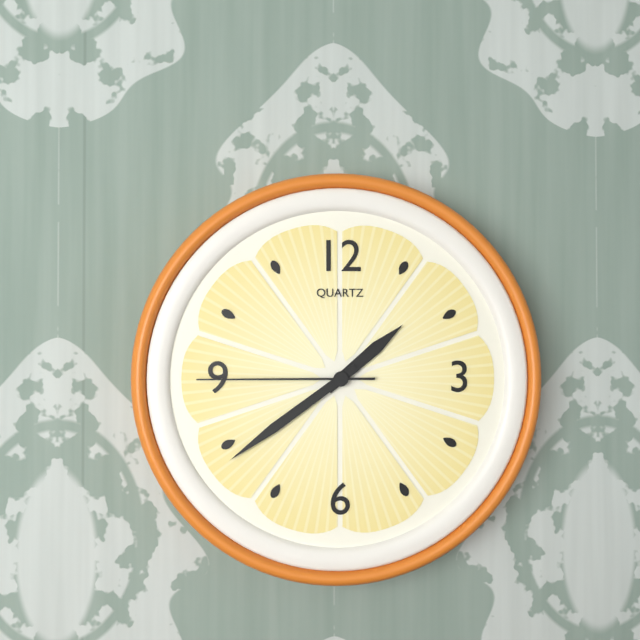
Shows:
1:39:45
